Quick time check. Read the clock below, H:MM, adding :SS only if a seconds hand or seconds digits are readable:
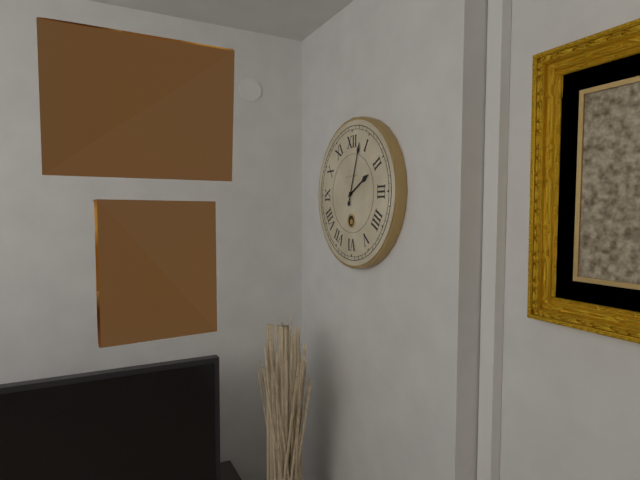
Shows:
2:03
